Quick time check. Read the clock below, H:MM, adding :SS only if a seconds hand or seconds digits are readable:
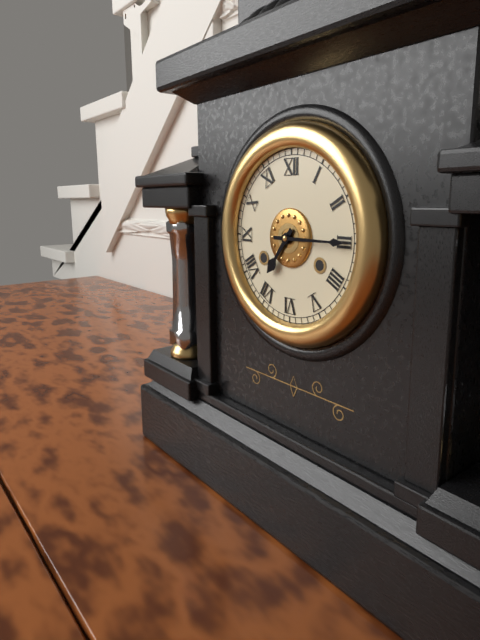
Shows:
7:15
